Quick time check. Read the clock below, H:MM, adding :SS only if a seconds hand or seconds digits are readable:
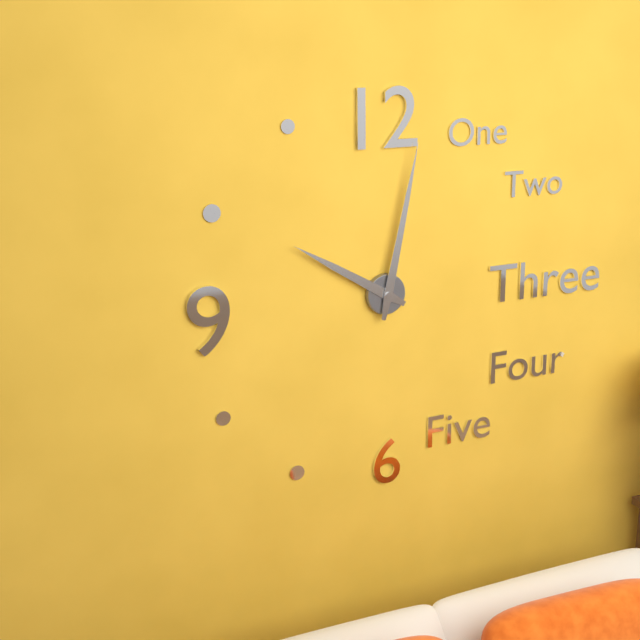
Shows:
10:02
